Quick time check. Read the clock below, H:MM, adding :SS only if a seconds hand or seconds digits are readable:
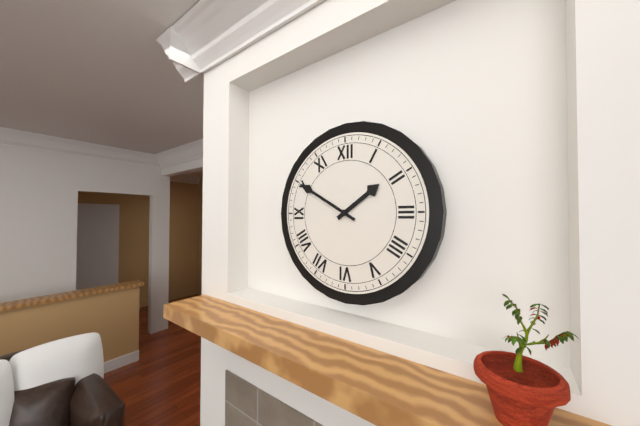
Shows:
1:50
